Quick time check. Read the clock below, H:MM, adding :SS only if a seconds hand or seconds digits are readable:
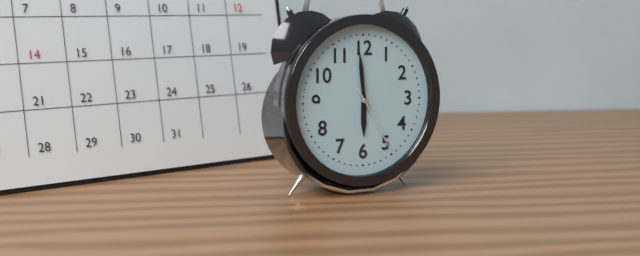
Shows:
5:59:25
